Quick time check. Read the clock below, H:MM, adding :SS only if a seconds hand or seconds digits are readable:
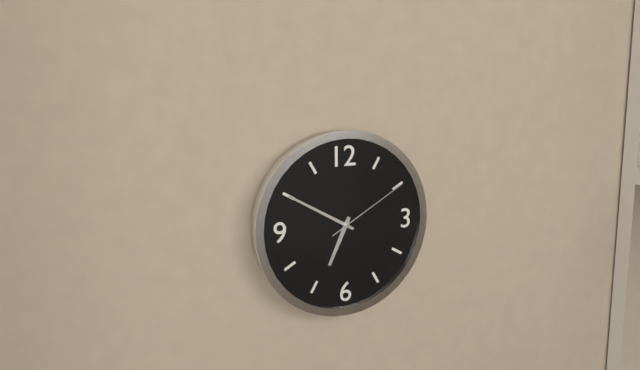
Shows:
6:50:10
